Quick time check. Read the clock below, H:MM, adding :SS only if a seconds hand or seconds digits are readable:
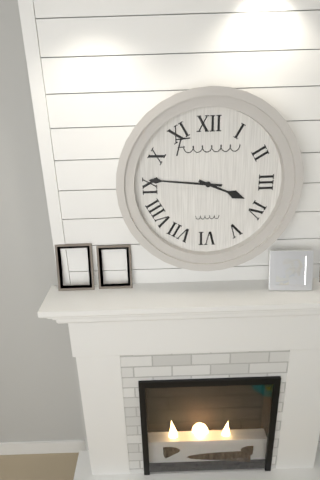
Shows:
3:46
